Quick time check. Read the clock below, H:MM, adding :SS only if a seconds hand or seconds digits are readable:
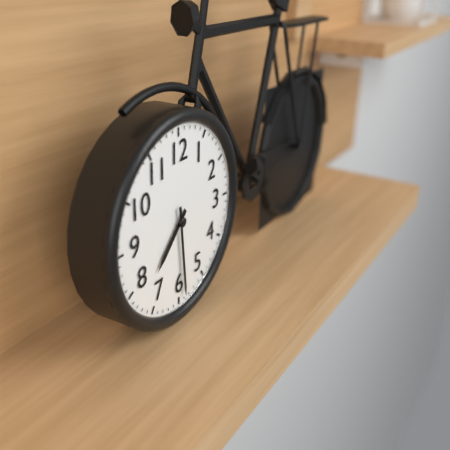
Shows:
7:29
